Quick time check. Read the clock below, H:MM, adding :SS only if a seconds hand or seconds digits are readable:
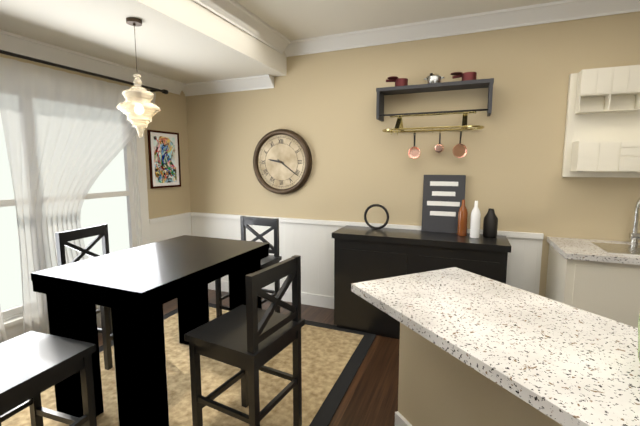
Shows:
9:21
